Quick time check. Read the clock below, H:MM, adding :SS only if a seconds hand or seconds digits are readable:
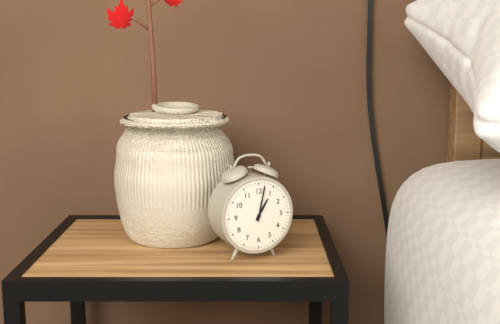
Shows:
1:02
